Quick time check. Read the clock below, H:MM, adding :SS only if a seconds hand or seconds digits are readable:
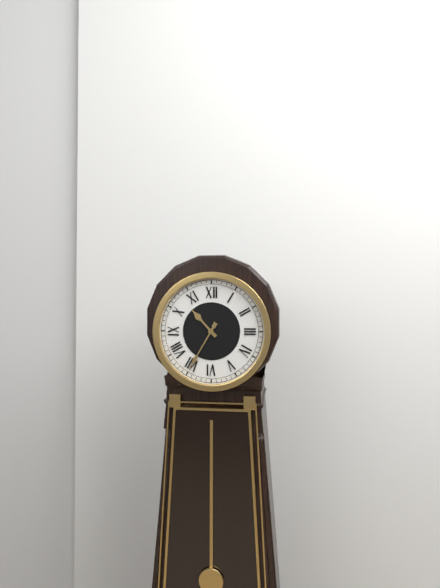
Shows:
10:35
